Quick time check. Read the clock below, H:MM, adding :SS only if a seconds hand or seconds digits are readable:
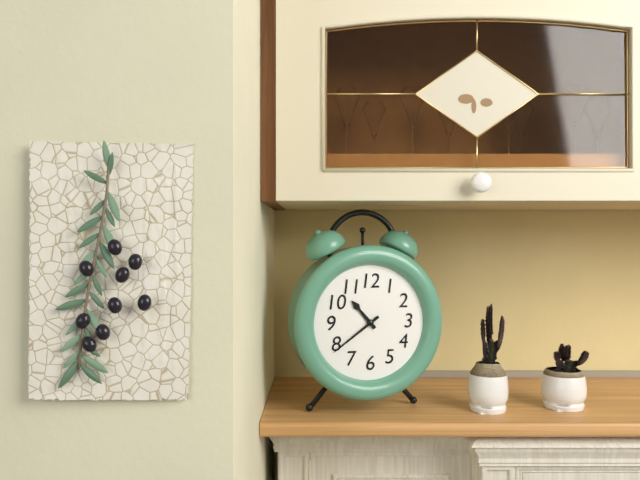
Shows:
10:39
